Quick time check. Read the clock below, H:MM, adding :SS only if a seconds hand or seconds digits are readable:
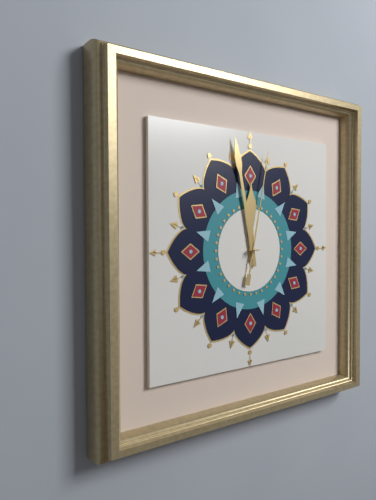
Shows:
11:58:02
